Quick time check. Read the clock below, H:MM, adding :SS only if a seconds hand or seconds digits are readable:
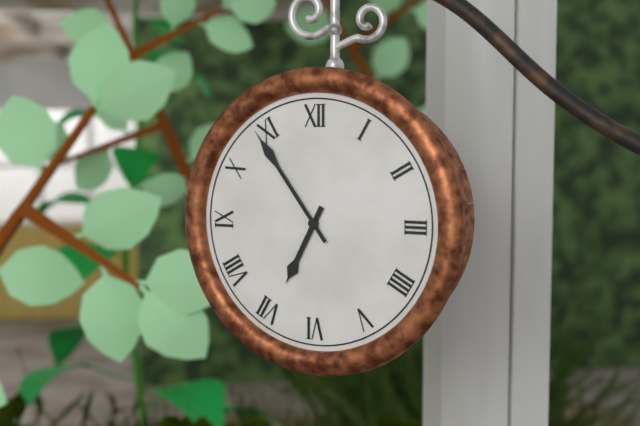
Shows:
6:54
